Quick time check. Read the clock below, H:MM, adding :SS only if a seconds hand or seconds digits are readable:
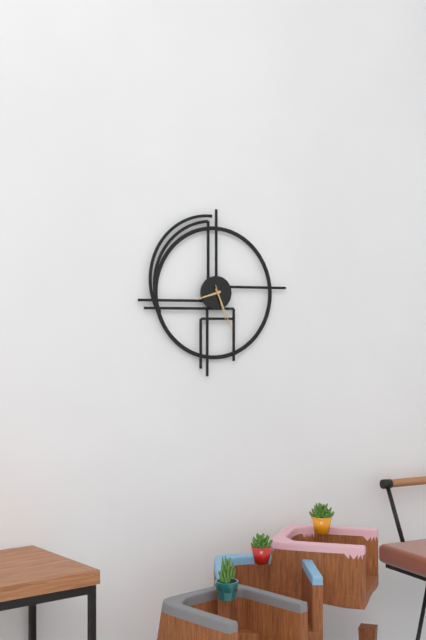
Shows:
8:26
